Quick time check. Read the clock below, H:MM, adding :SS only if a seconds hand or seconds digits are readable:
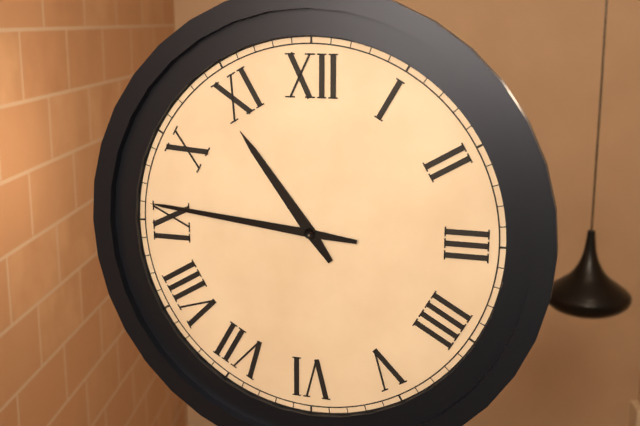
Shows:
10:46
